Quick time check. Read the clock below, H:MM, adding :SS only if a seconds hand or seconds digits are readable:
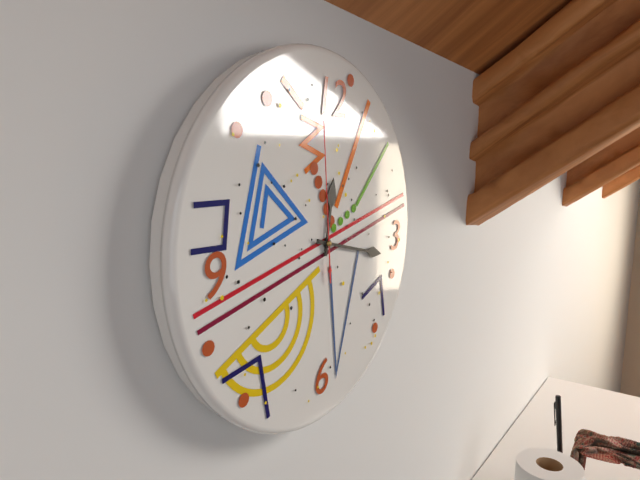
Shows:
12:17:59
